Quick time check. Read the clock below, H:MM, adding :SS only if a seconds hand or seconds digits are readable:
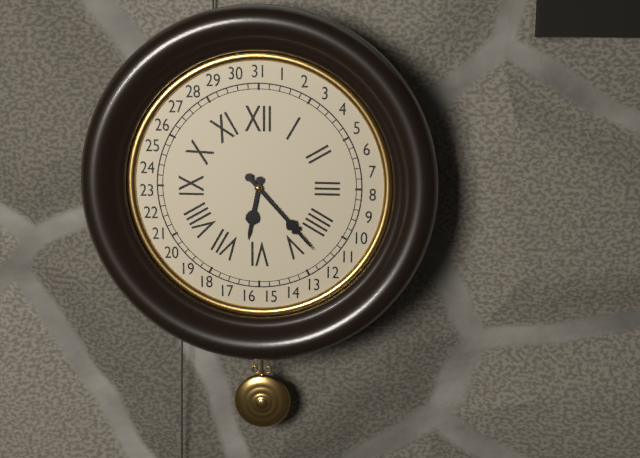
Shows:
6:23
